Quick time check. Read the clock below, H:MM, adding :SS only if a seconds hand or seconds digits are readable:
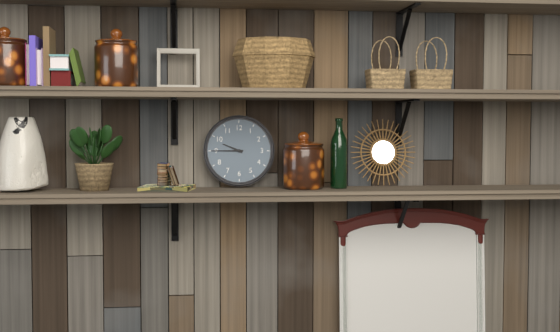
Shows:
9:45
